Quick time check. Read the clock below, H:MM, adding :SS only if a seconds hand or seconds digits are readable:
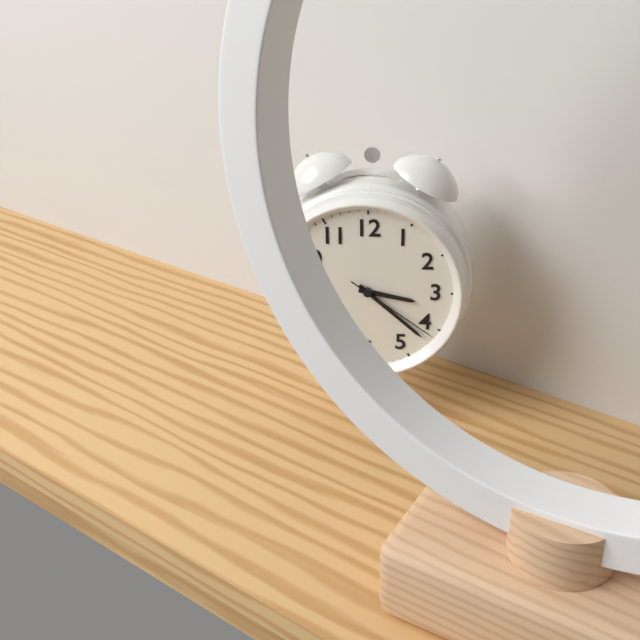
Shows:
3:22:21
